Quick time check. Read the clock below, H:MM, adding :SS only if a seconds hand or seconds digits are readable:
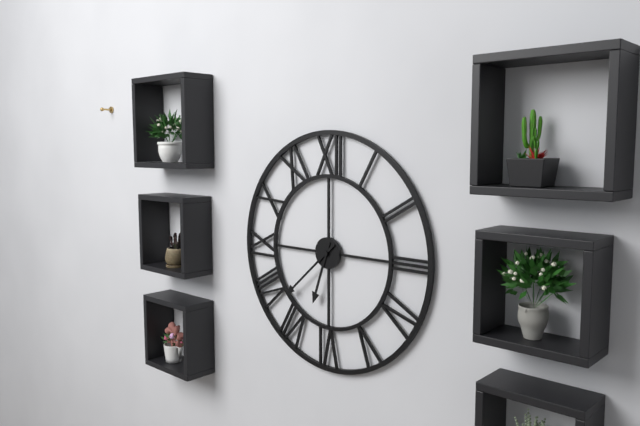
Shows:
6:38
